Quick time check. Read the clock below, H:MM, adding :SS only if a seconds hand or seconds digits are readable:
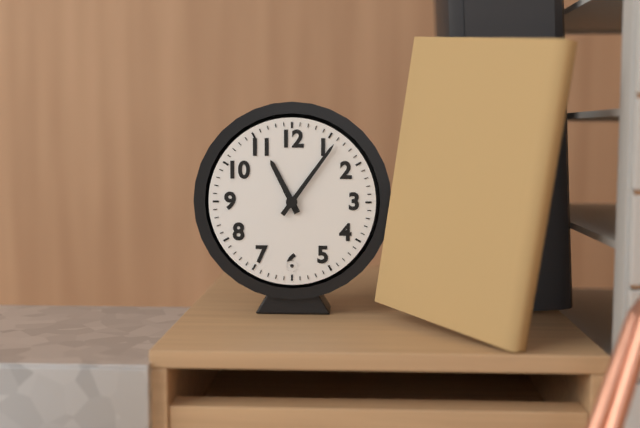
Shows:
11:06
